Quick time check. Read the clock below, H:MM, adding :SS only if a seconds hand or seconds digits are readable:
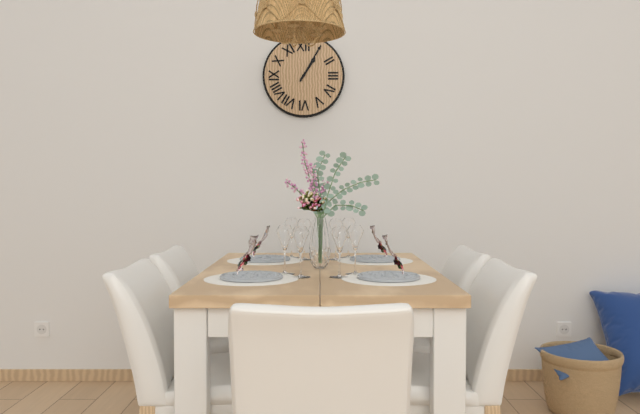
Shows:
1:05
